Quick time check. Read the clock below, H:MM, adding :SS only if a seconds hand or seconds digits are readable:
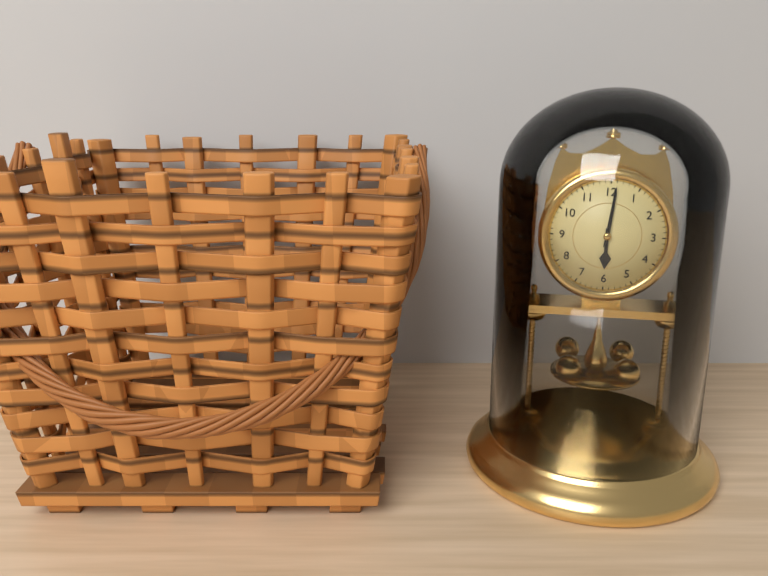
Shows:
6:01
